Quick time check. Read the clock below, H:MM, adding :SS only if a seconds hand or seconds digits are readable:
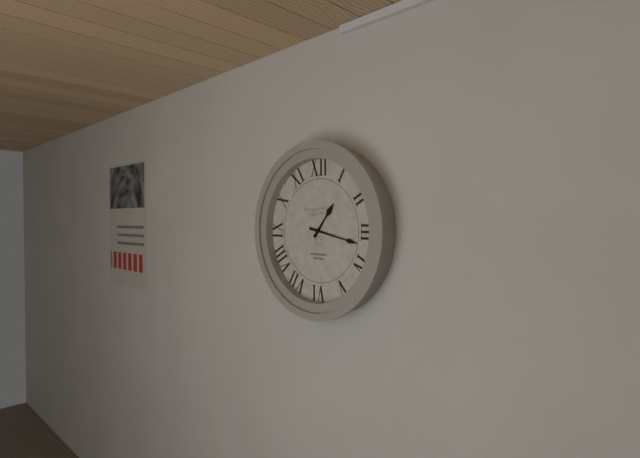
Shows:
1:17
